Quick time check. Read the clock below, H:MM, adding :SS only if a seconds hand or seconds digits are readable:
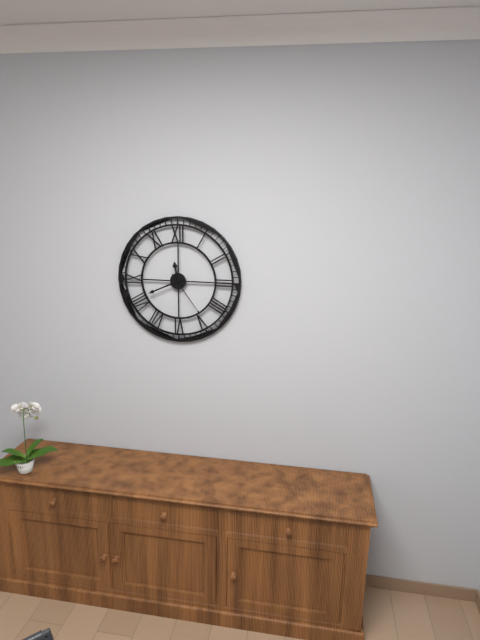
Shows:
11:41:24
